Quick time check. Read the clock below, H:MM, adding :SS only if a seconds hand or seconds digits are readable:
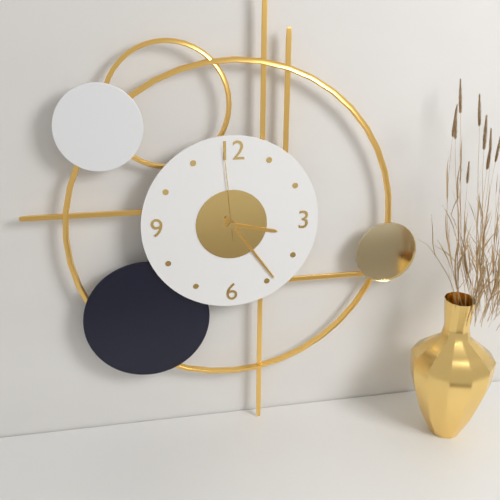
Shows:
3:24:59
